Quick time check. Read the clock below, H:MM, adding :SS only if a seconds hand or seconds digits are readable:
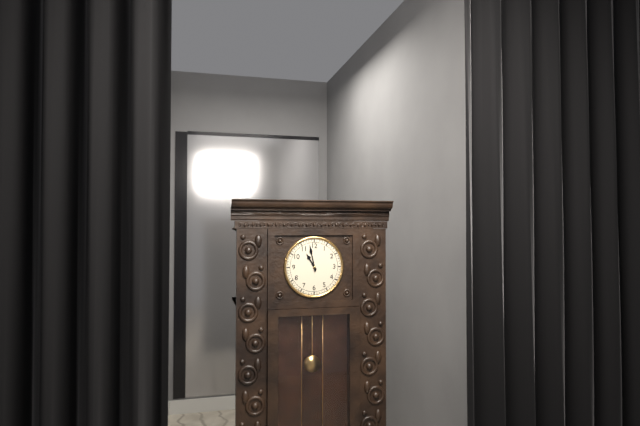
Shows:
10:58
